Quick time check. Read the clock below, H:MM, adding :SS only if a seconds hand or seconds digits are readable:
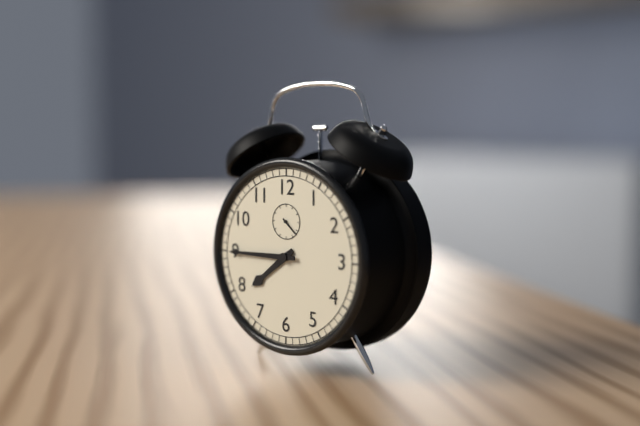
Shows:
7:45
